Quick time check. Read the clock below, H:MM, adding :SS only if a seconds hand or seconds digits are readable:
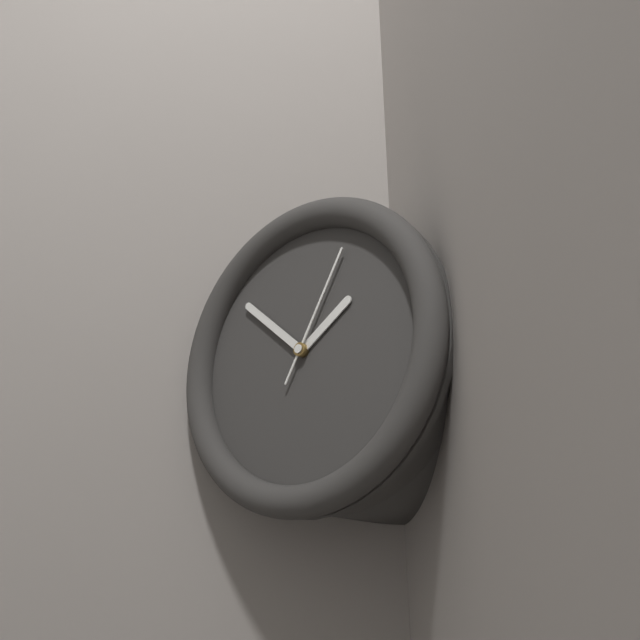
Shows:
1:52:05
